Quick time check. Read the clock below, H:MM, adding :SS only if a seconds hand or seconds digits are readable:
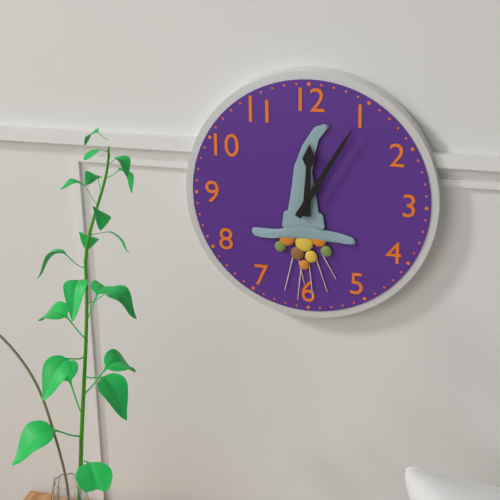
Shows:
12:05
